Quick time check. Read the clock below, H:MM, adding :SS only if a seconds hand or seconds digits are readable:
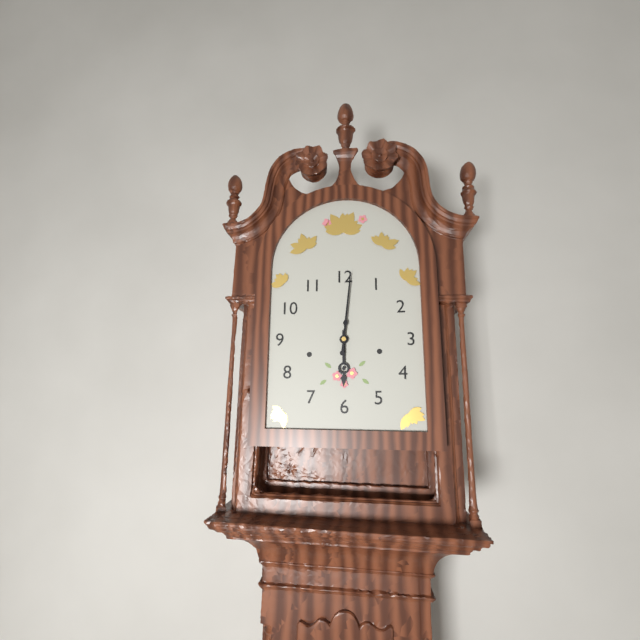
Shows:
6:01
